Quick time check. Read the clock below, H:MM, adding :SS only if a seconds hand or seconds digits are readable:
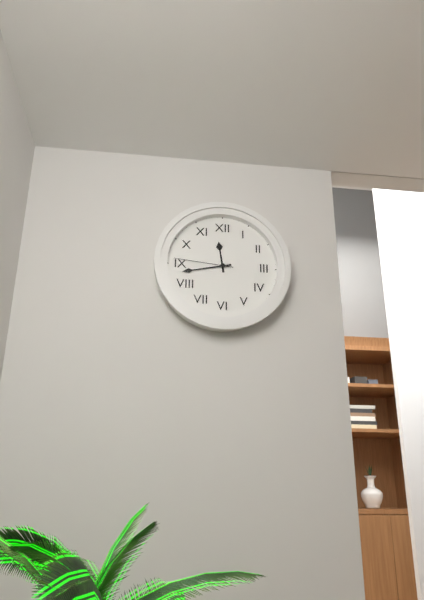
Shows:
11:43:46
